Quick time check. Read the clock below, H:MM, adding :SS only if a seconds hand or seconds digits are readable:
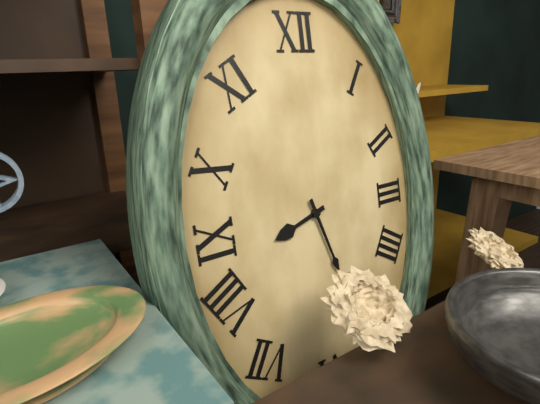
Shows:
8:27
